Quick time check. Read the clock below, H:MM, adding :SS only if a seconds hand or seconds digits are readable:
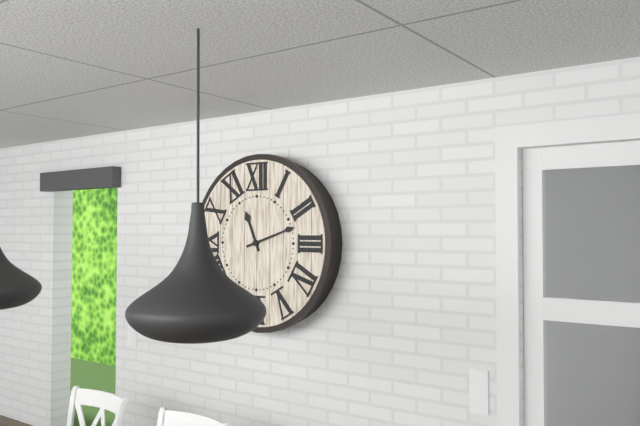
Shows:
11:12
